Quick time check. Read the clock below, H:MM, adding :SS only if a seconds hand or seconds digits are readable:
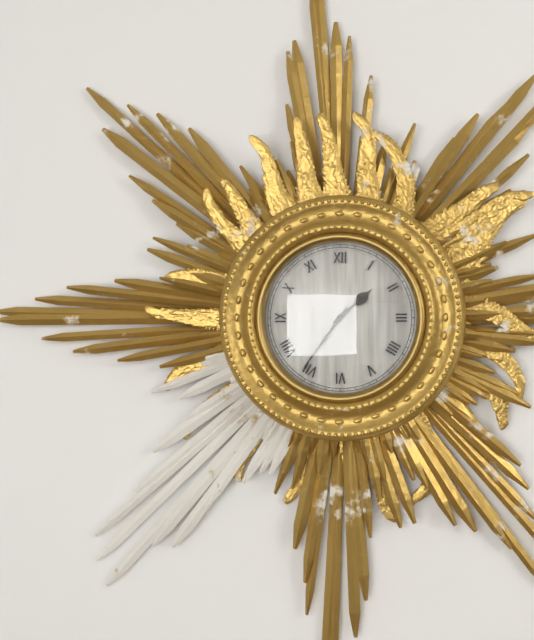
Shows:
1:36
